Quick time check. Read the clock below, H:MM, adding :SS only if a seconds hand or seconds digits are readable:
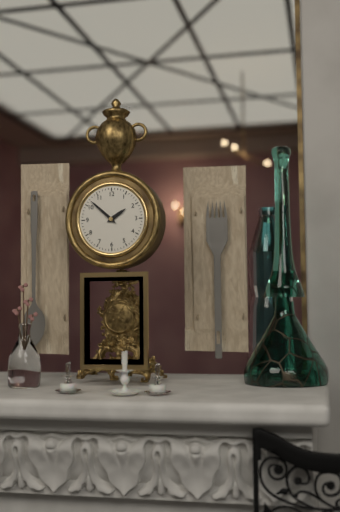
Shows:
1:52
